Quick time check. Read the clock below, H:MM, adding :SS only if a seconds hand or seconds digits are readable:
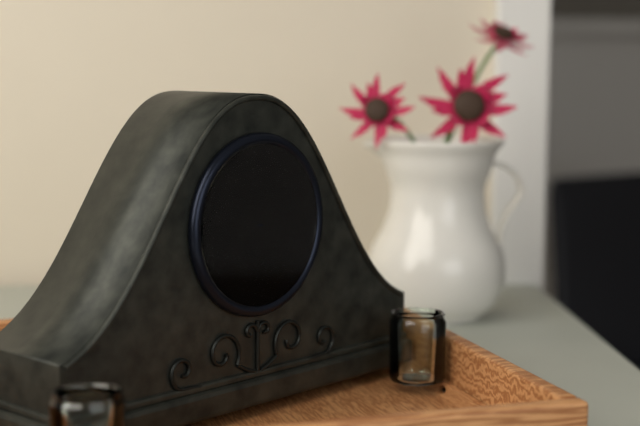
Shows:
12:58
